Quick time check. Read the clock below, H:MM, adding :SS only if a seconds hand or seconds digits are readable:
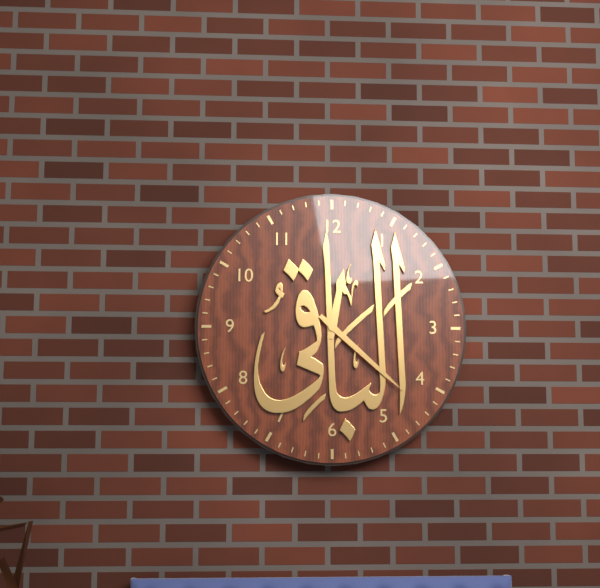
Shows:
12:22
